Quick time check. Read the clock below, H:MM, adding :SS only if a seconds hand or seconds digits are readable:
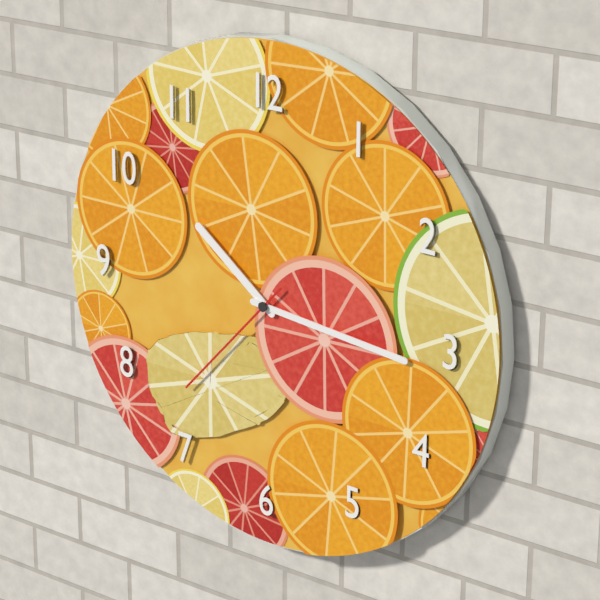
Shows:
10:16:37
